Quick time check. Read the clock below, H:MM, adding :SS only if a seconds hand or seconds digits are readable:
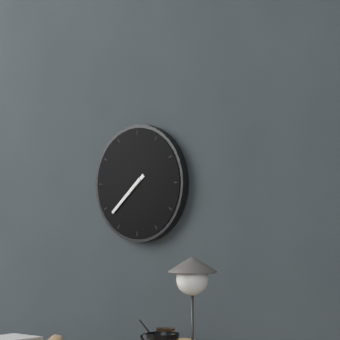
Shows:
7:38
